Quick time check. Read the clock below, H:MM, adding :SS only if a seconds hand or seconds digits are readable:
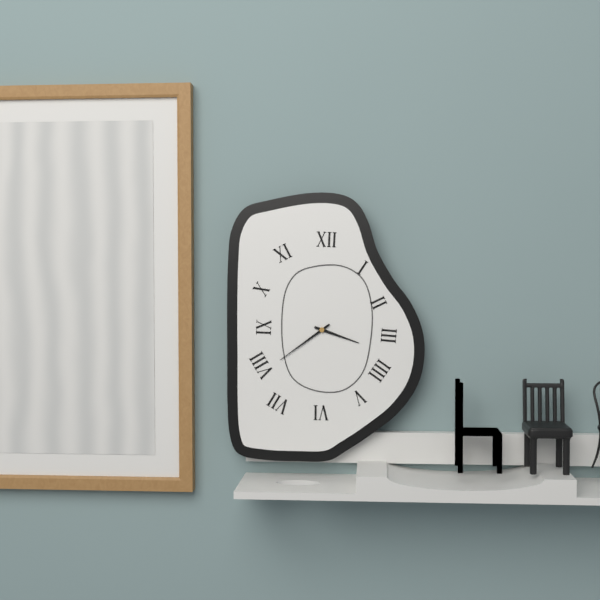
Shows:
3:39
